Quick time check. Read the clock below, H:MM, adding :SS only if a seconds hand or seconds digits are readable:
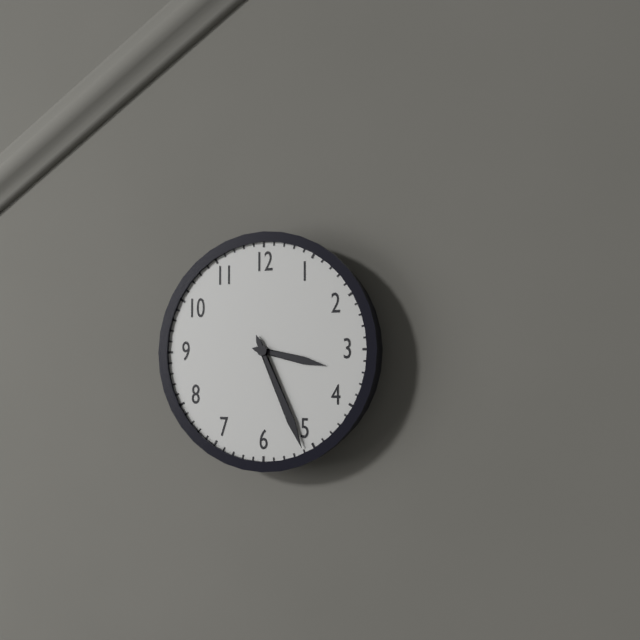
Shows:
3:26
